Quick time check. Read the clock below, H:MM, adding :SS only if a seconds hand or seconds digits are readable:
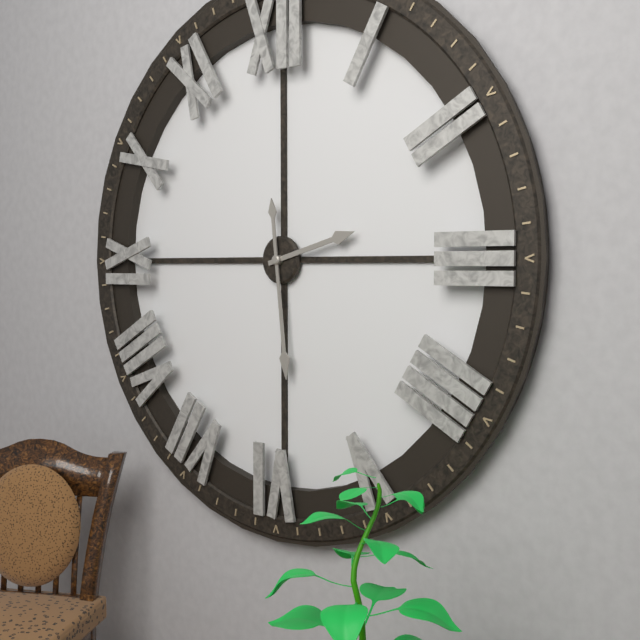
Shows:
2:29
